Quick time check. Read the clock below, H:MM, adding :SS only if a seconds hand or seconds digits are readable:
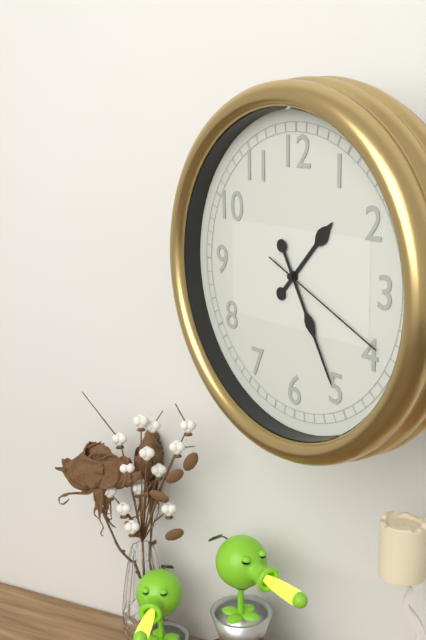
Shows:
1:25:19
